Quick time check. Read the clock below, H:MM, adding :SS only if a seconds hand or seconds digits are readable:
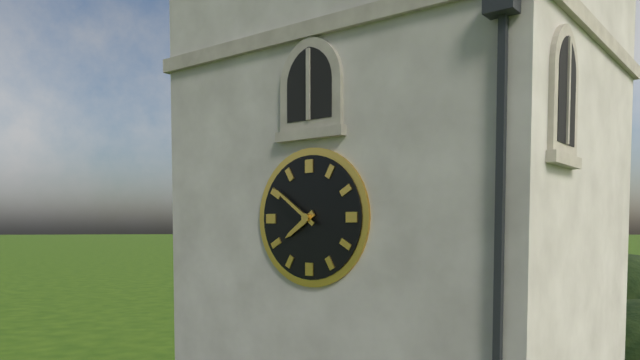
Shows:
7:51
